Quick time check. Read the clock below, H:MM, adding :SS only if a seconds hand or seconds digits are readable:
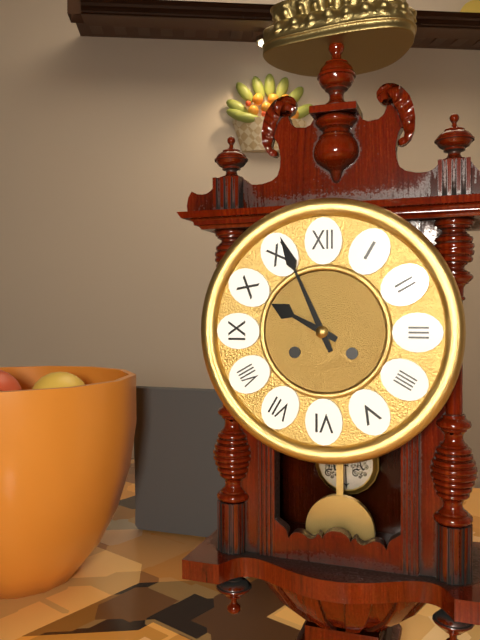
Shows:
9:56
